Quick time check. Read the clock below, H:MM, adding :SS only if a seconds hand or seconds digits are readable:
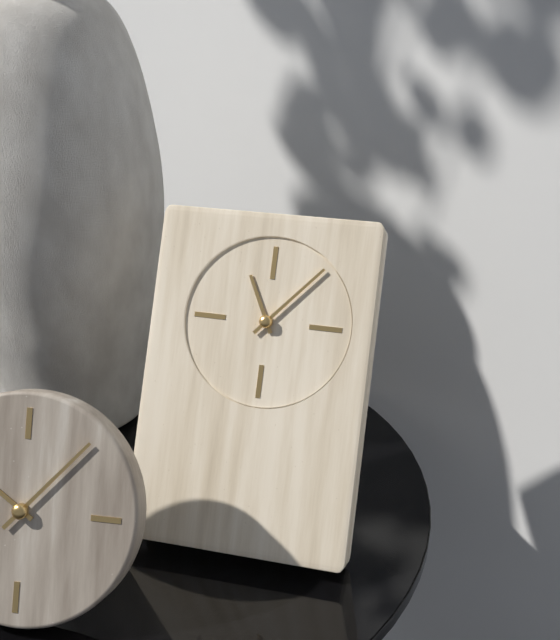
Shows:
11:07
